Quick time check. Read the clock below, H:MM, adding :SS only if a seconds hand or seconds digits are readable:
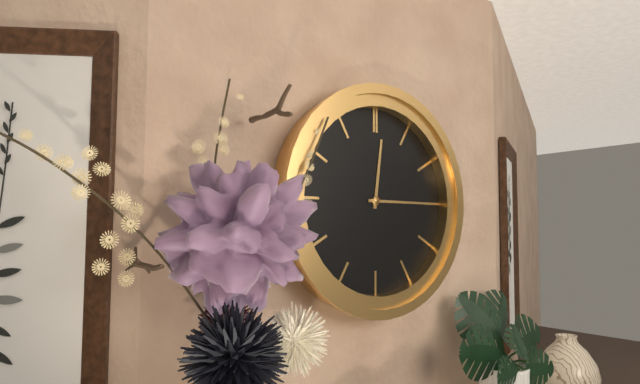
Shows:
12:15
